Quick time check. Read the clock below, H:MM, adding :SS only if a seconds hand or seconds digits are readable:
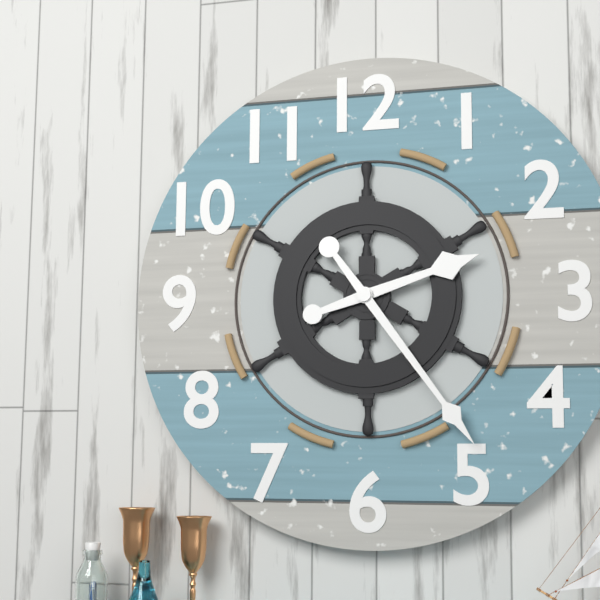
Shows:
2:24
